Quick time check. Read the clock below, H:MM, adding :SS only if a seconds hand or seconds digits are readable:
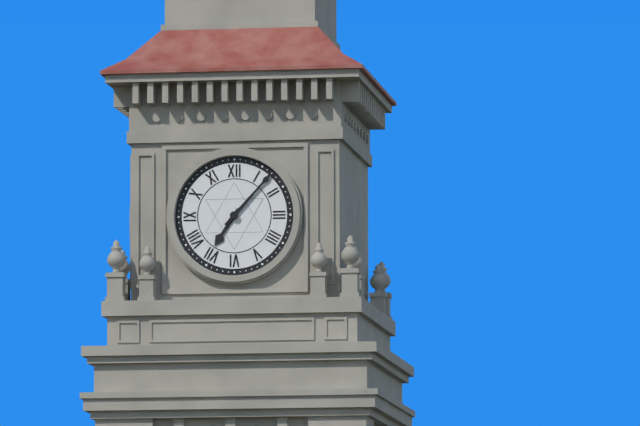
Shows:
7:07
